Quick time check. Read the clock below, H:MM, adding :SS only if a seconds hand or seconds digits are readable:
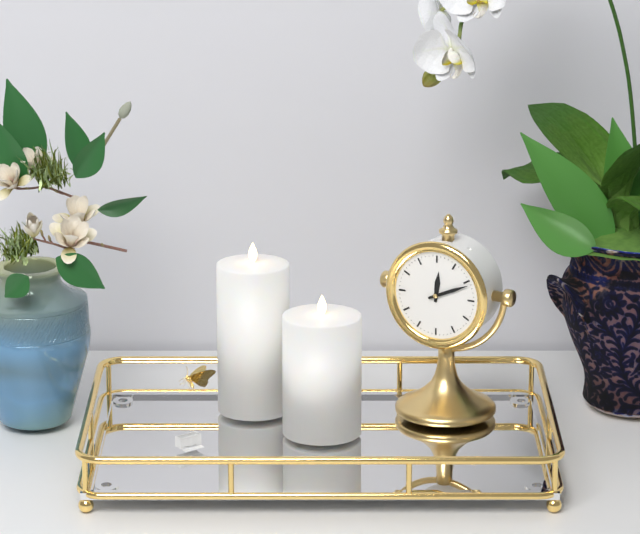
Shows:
12:11
